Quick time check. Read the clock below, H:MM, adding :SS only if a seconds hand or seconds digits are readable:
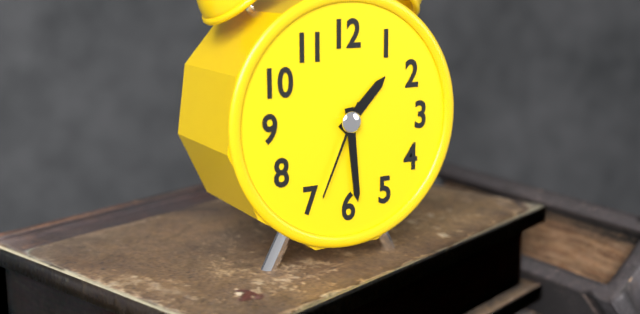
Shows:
1:29:34
